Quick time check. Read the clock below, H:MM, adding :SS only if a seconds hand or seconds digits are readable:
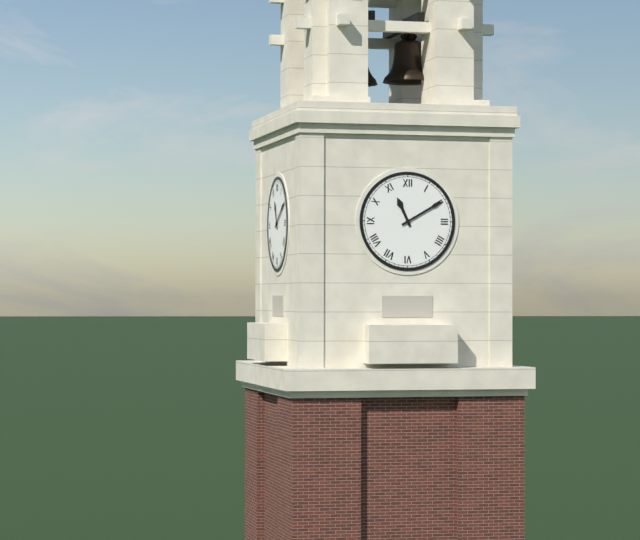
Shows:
11:10
